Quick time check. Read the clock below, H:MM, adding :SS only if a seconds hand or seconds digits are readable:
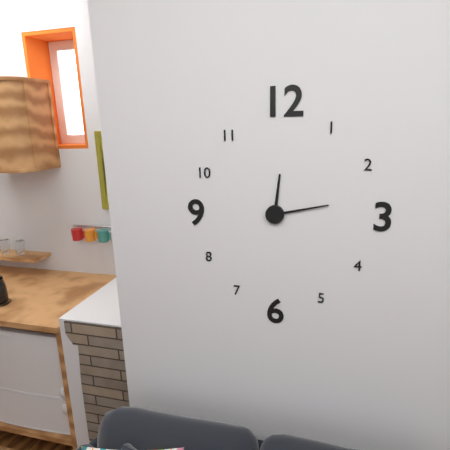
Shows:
12:13
